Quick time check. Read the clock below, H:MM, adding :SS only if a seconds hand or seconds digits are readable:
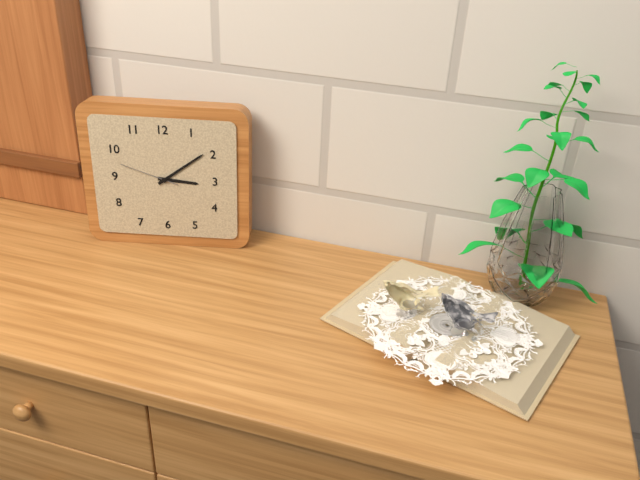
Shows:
3:09:48
